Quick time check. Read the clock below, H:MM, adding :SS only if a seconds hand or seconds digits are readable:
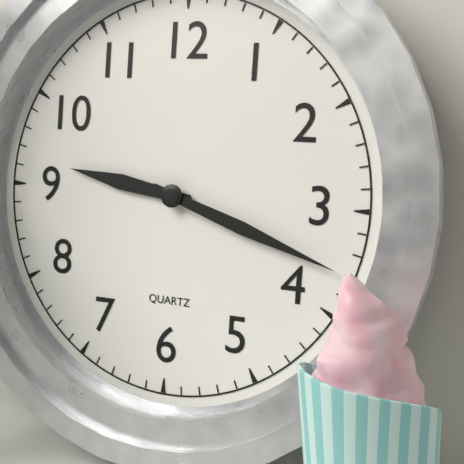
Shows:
9:18
